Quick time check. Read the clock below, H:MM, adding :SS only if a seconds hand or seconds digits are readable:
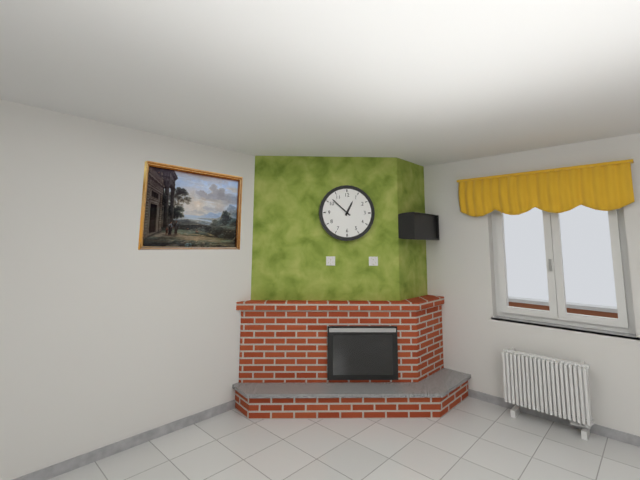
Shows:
12:52
